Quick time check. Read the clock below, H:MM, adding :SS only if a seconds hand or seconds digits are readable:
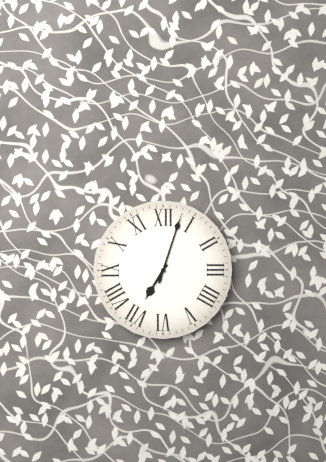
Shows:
7:03:03
